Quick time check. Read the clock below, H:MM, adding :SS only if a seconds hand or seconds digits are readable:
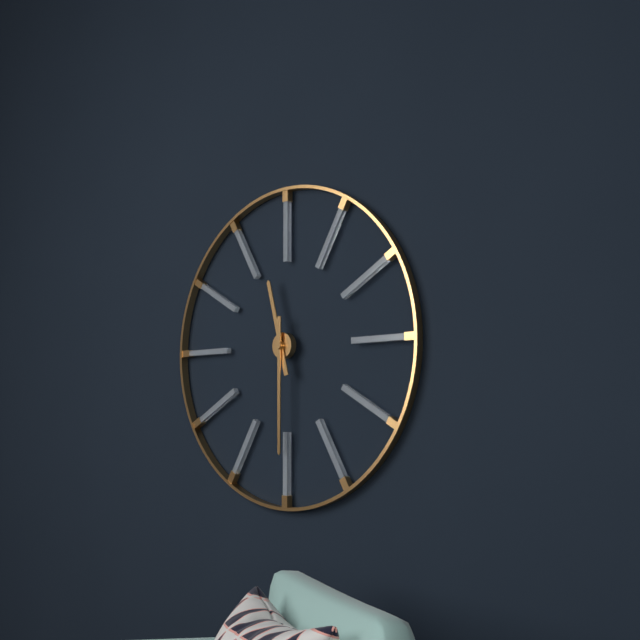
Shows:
11:30
